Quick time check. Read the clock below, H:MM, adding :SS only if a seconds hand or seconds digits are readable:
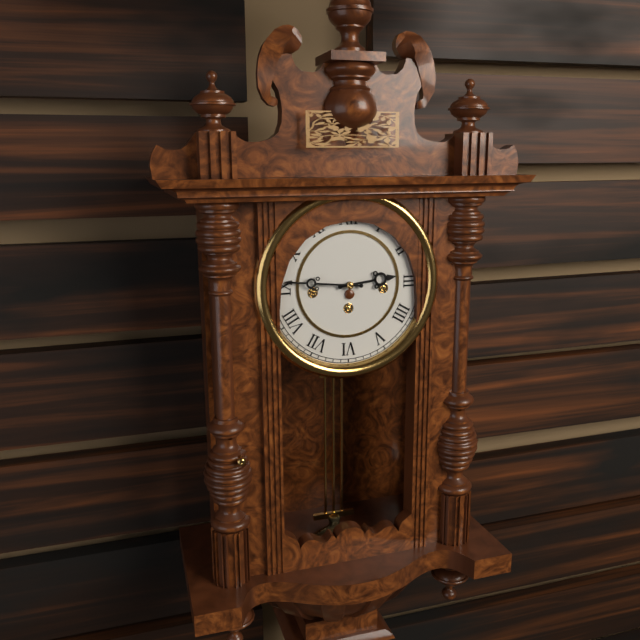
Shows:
2:46
